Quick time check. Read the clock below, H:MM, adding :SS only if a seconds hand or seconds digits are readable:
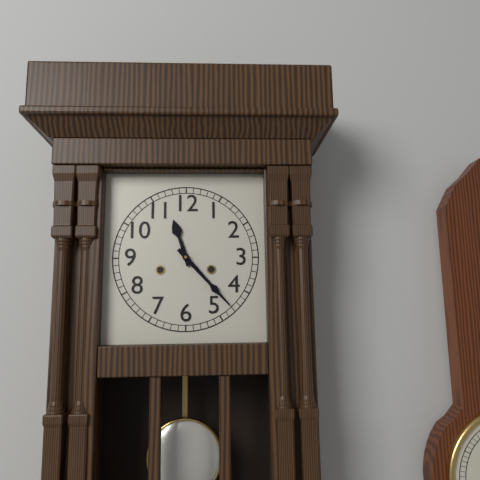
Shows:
11:23
